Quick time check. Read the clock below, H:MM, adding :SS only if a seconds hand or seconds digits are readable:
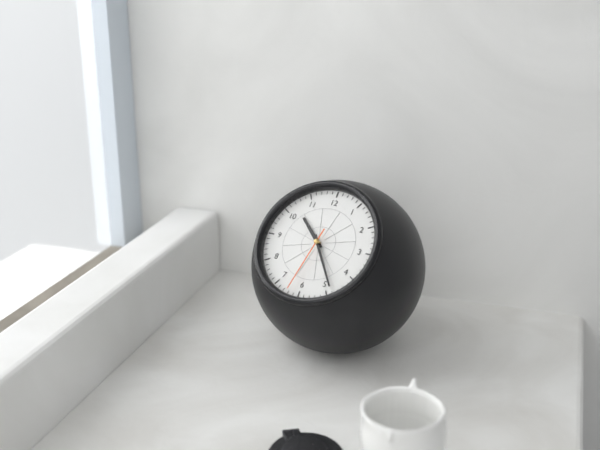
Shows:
10:24:32
